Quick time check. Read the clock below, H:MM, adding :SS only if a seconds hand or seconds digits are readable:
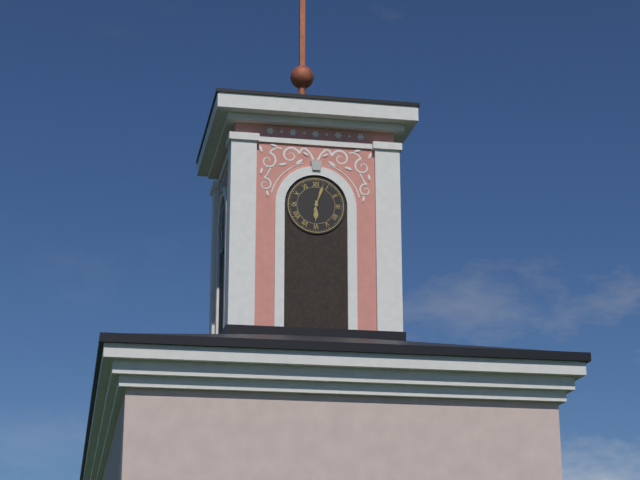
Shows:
6:03
